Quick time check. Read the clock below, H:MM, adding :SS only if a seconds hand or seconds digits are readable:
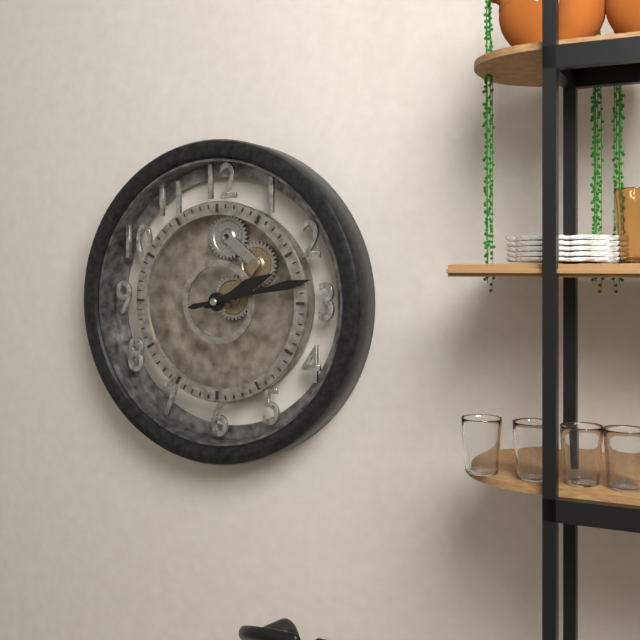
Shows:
2:13
